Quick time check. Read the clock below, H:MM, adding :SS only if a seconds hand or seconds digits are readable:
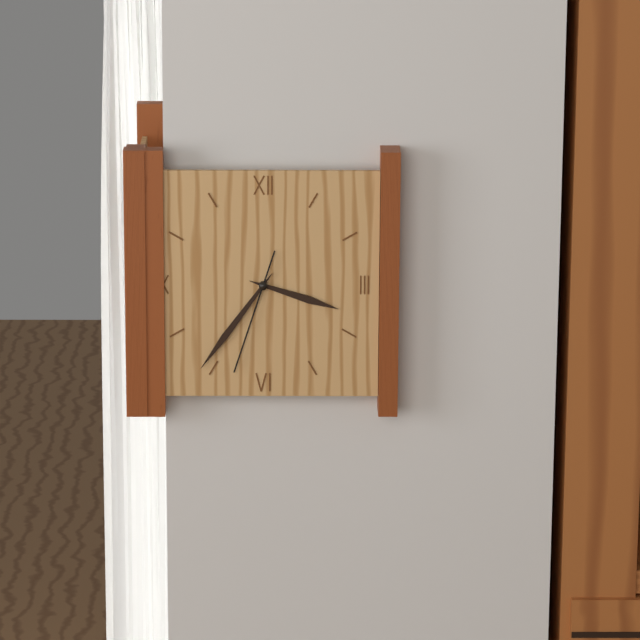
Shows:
3:36:33
